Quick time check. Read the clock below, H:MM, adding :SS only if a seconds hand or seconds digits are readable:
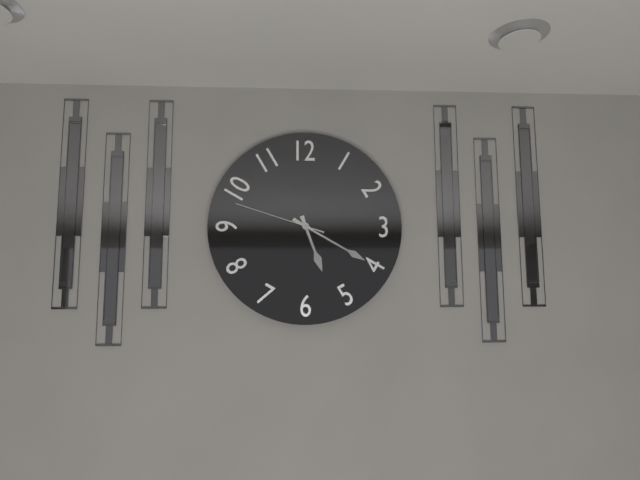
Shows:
5:20:48
